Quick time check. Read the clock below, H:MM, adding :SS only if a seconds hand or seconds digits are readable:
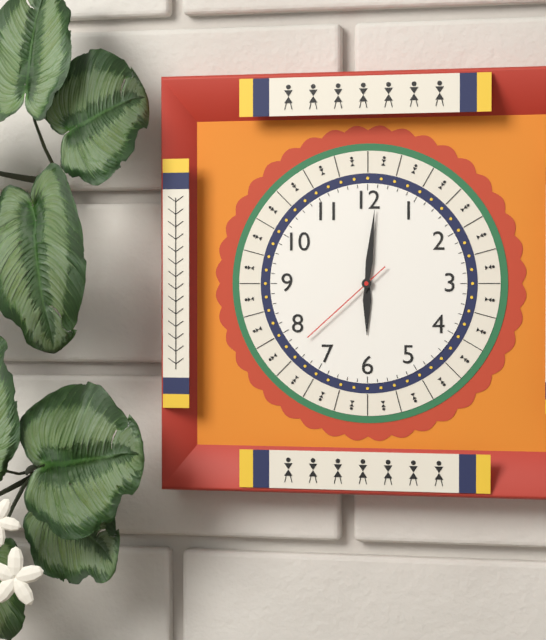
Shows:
6:01:38
